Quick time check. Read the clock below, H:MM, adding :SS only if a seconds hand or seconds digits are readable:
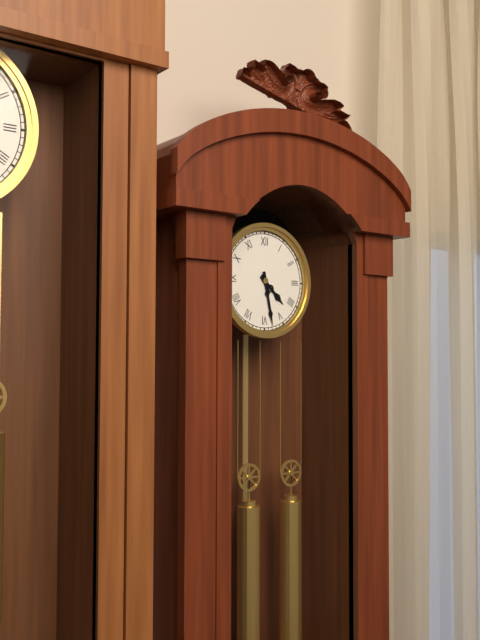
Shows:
4:28
